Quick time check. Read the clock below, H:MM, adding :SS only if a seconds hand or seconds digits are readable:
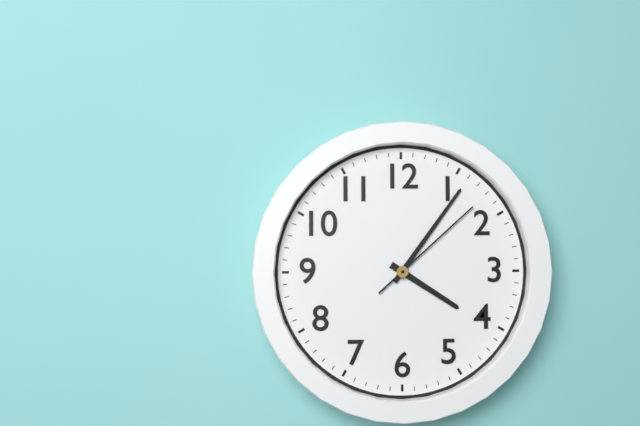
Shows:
4:06:08
